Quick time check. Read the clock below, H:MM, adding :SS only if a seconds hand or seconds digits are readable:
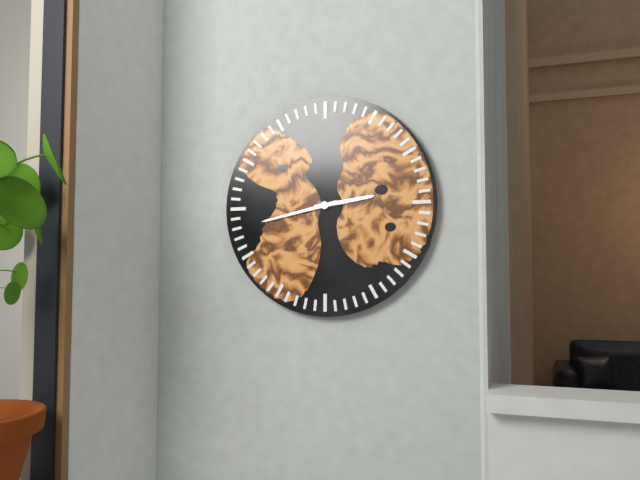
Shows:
2:43
